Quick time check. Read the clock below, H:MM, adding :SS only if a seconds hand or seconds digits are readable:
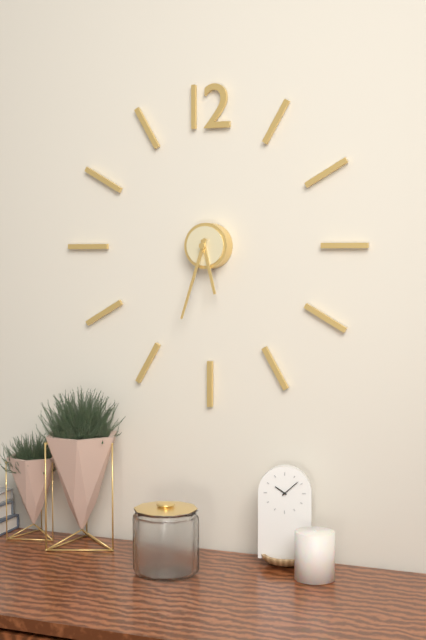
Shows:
5:33
